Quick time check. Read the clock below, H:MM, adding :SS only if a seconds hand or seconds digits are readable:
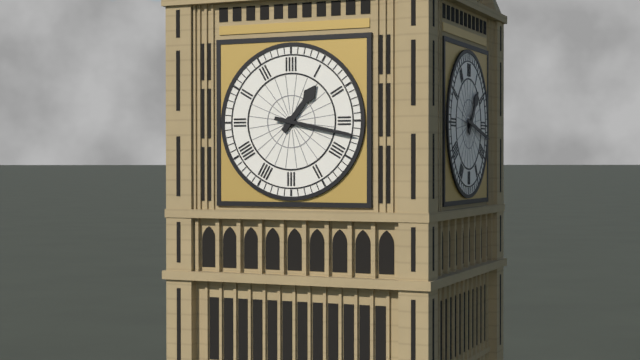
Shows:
1:17
